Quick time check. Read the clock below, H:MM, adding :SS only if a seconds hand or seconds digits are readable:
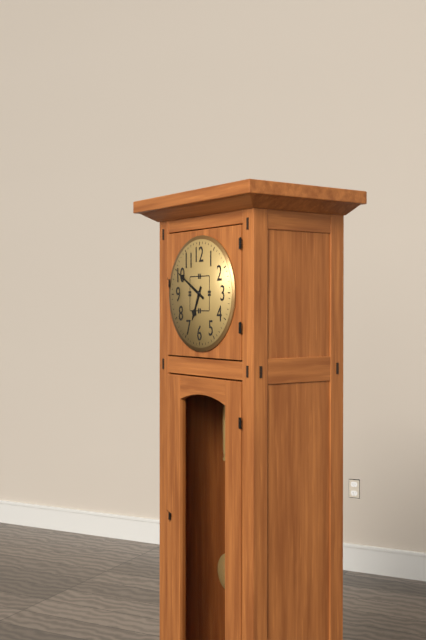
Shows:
6:50
